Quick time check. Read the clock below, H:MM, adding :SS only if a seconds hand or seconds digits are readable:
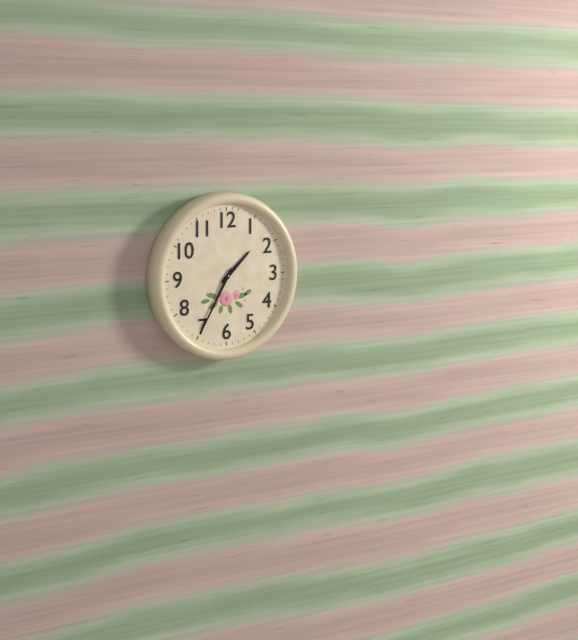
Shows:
1:35
